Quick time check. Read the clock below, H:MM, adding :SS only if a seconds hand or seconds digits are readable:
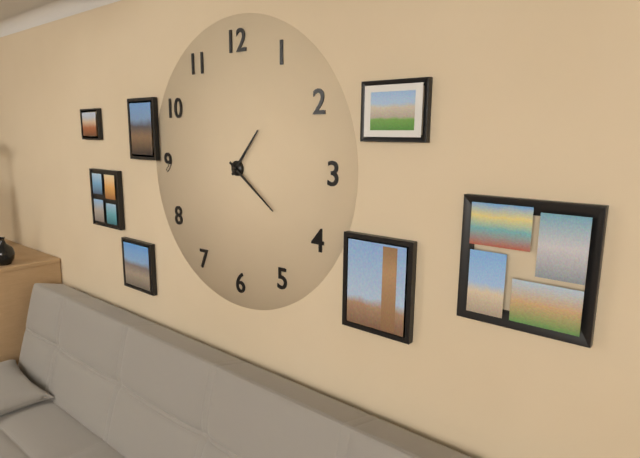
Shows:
1:21
